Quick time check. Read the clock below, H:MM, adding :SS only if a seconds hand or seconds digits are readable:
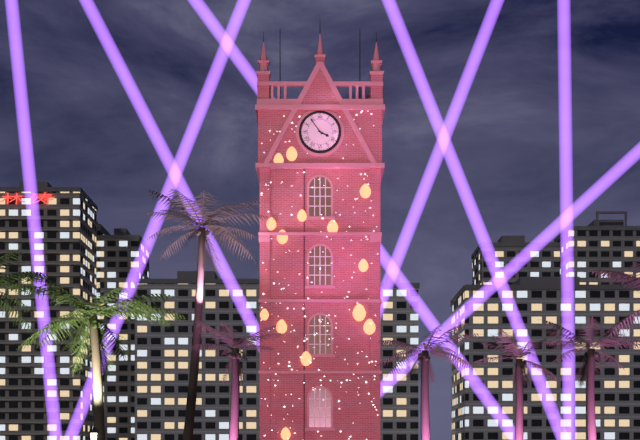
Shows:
3:54
